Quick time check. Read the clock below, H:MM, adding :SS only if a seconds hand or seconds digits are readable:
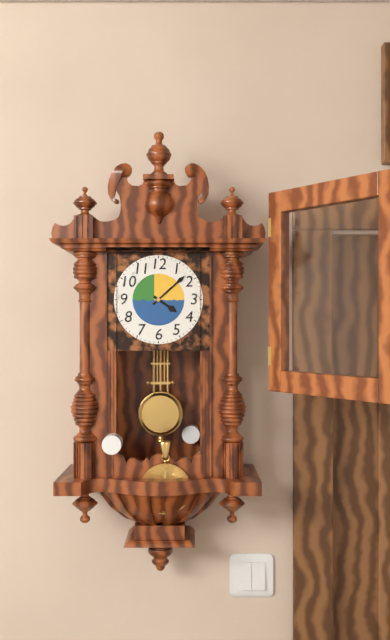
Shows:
4:08
